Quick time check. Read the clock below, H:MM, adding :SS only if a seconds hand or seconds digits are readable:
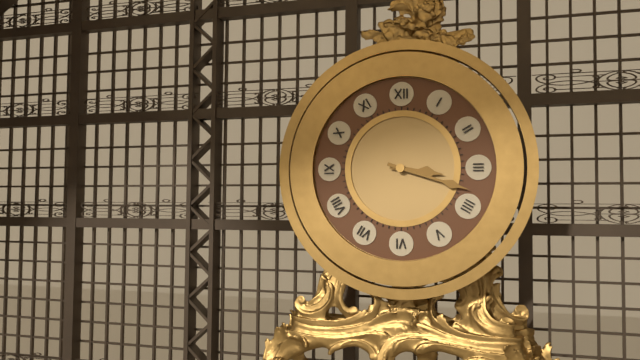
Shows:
3:18
